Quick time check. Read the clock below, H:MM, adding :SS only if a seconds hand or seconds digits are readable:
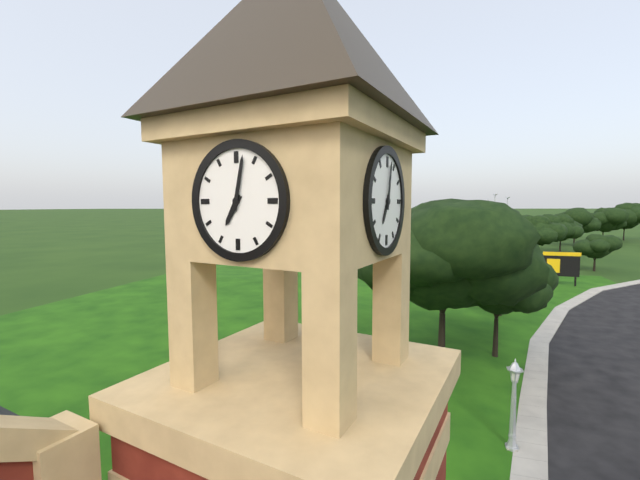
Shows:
7:02
